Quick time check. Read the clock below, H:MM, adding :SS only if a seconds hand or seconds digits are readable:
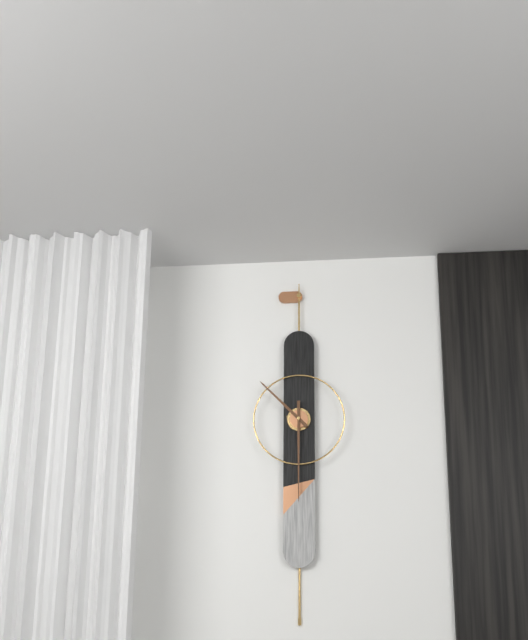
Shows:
10:30
